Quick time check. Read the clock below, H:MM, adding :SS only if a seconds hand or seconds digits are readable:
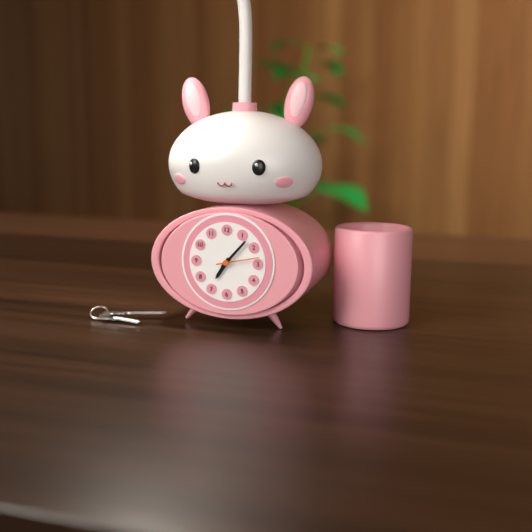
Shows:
7:07
